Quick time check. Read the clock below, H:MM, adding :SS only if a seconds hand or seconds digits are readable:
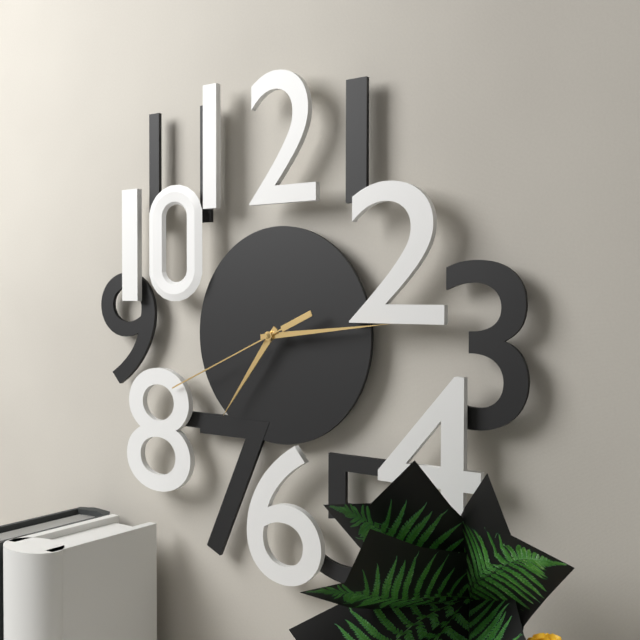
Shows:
7:14:41
